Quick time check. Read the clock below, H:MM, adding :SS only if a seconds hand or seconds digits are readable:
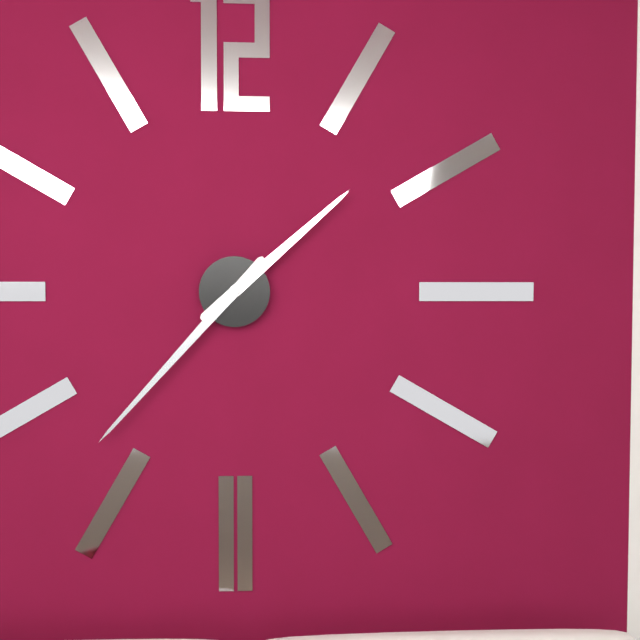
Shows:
1:37
